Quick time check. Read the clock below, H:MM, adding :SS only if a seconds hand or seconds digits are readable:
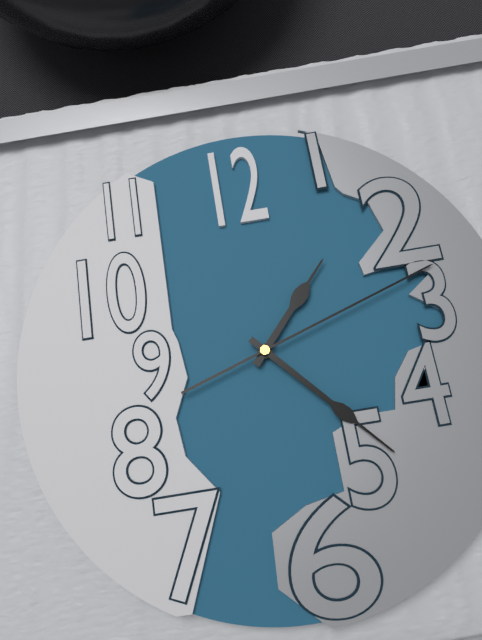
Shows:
1:23:12
